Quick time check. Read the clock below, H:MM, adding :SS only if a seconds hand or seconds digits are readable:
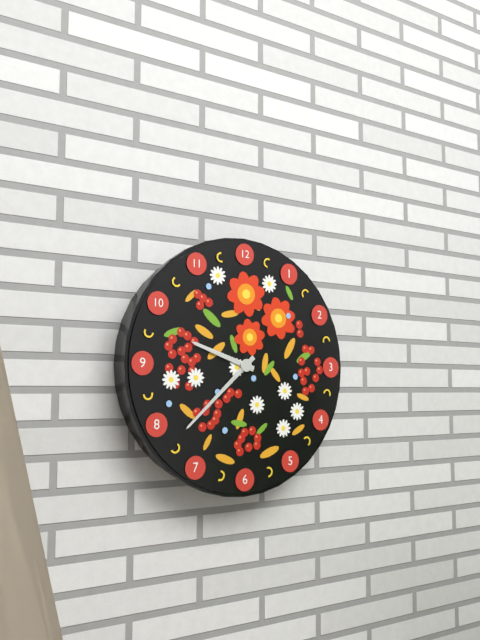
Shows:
9:38
